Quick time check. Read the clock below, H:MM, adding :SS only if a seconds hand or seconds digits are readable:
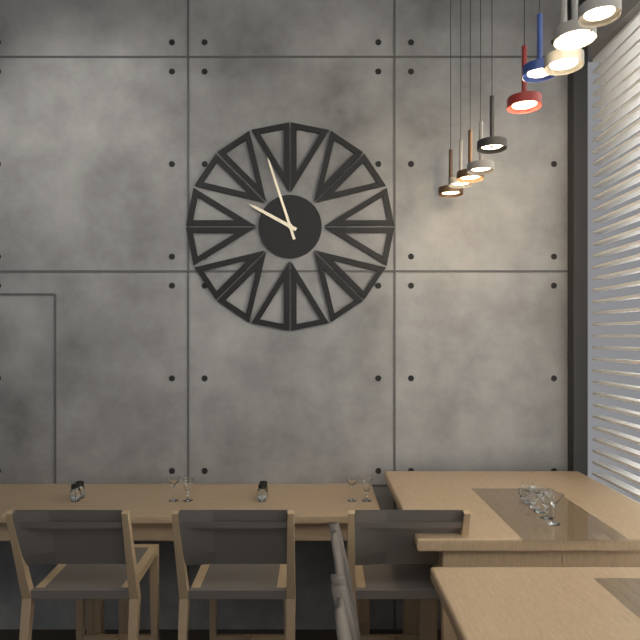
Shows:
9:57
